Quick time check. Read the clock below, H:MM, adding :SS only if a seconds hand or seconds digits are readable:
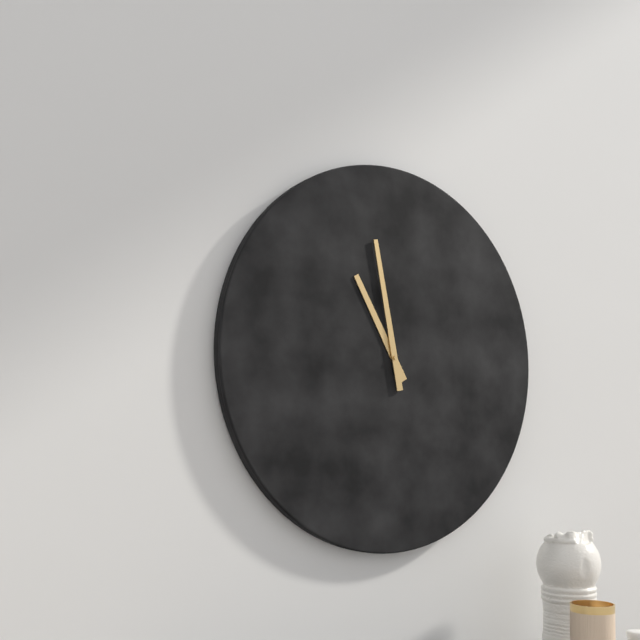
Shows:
10:58
